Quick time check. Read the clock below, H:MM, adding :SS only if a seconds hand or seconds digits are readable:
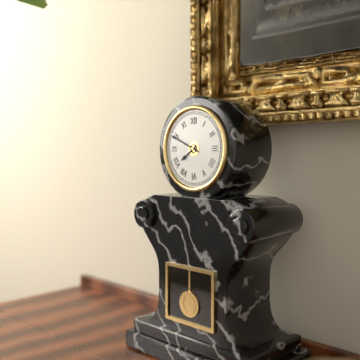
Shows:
7:49
